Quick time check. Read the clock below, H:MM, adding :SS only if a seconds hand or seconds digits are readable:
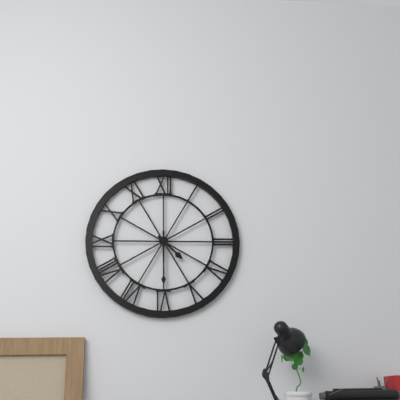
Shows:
4:30
